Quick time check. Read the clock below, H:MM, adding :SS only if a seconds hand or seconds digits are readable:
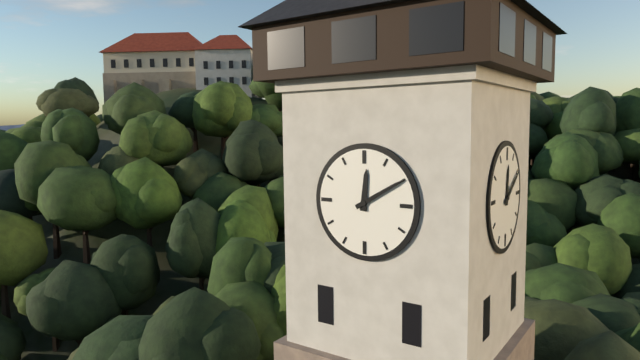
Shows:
12:10
